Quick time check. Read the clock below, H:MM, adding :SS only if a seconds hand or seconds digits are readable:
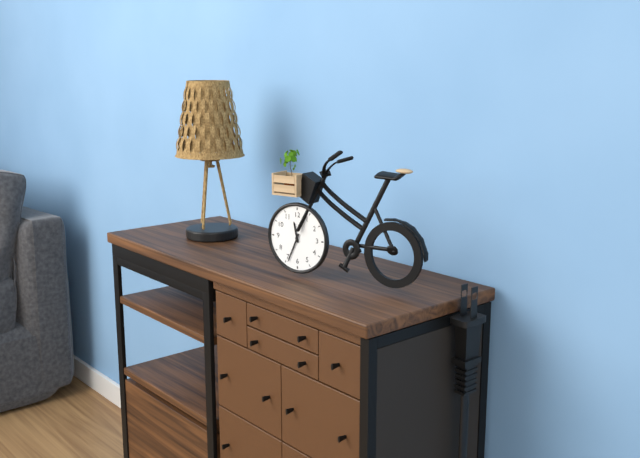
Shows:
11:34
